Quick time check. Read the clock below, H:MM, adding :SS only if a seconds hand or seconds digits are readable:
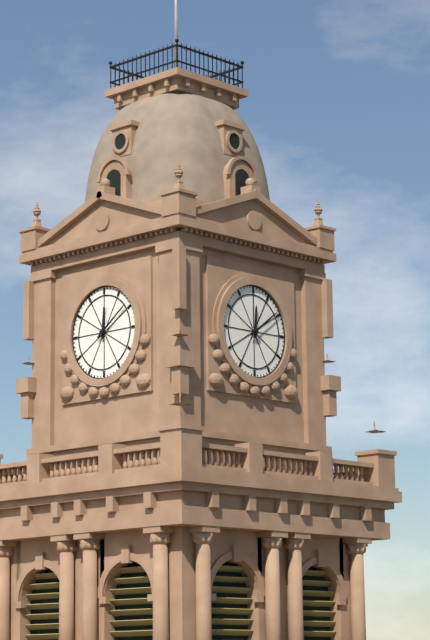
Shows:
12:09
